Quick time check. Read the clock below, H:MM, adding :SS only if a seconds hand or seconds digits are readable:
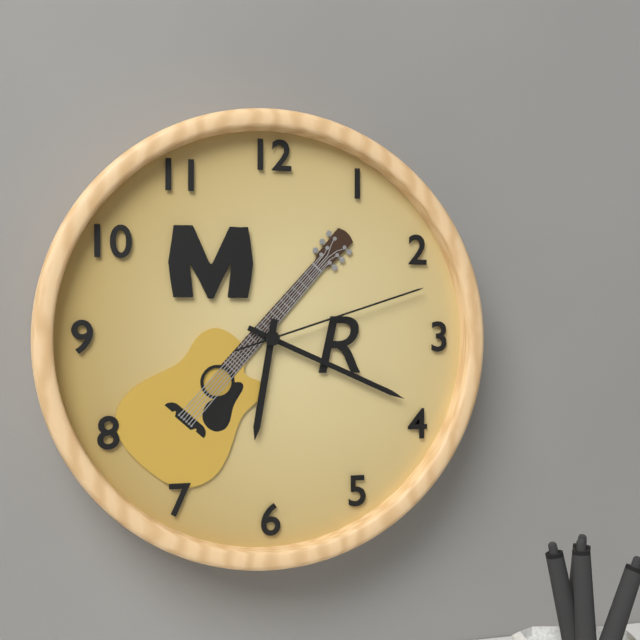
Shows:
6:19:12
